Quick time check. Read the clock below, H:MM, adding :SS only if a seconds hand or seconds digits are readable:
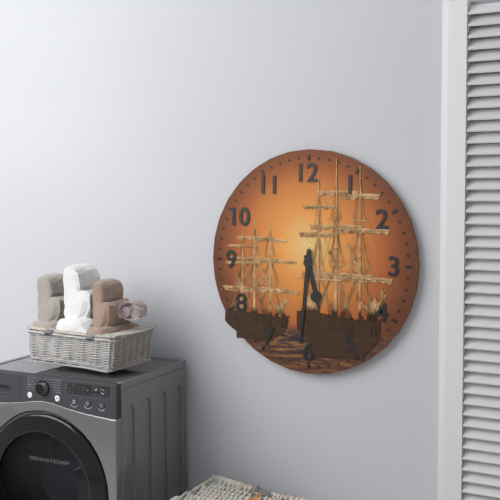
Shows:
5:31
